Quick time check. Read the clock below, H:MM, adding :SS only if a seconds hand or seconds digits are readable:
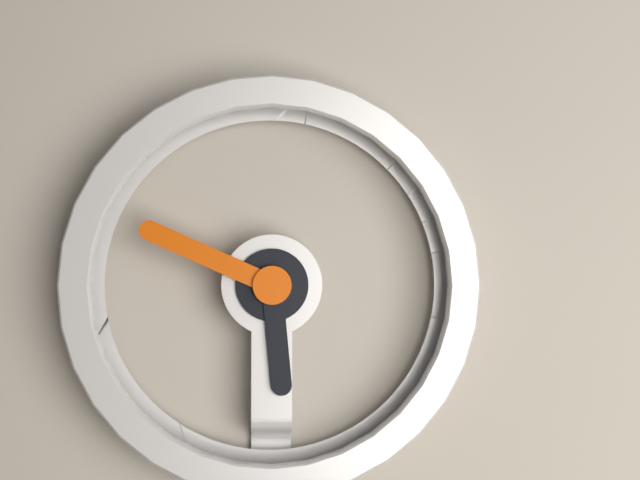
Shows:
5:49
